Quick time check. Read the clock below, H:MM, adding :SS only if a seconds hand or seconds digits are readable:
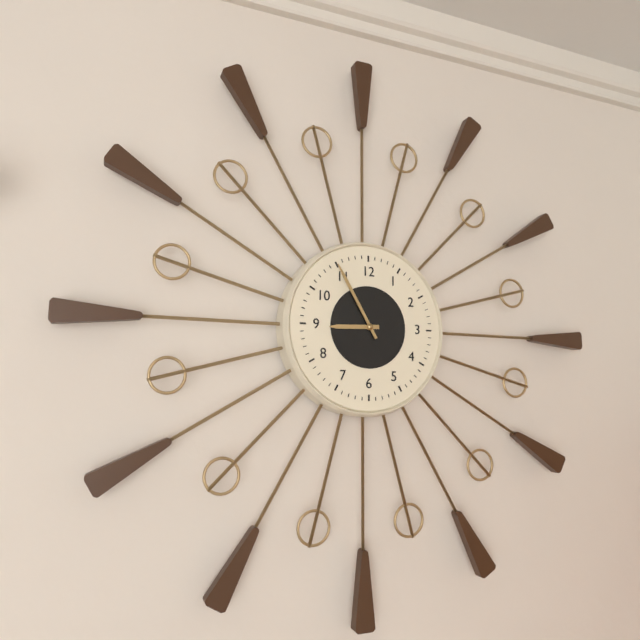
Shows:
8:55
